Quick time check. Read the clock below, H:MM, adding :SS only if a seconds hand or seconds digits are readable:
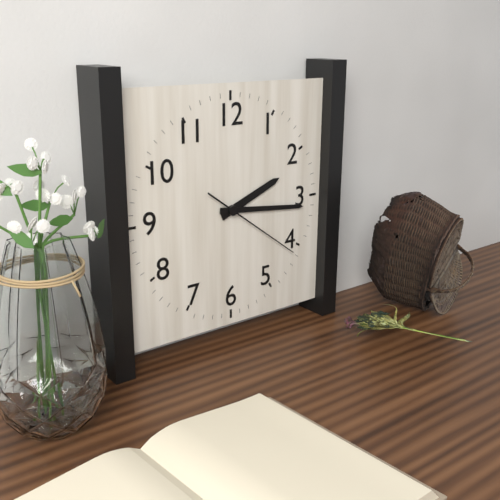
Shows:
2:16:21
